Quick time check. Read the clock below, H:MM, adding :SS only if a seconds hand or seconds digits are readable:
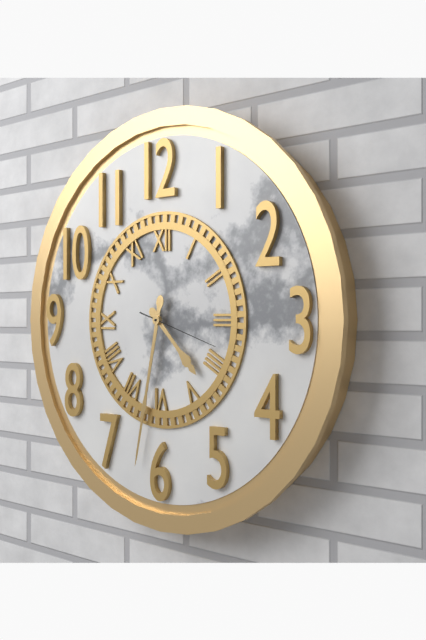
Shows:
4:32:18
